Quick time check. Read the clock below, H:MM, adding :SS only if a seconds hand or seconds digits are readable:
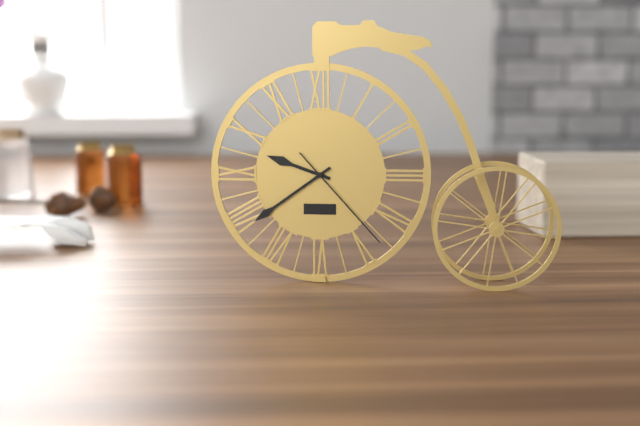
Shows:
9:39:23
